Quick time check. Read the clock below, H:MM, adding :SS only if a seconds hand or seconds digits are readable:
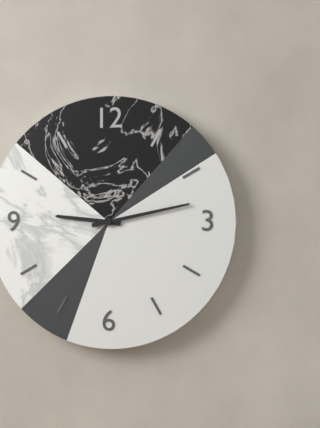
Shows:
9:13
